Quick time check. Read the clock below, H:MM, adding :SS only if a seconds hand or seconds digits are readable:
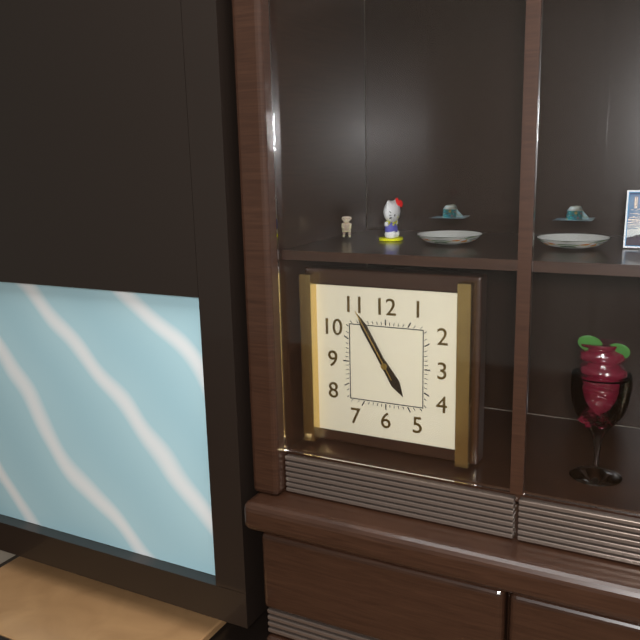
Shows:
4:55:55
